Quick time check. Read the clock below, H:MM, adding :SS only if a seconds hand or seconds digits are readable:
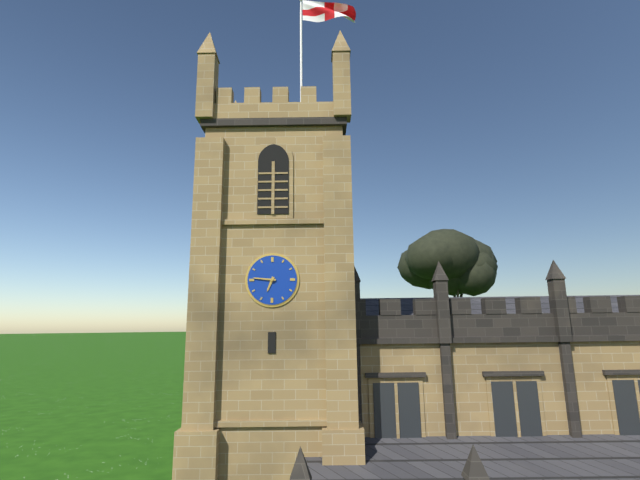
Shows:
6:46
